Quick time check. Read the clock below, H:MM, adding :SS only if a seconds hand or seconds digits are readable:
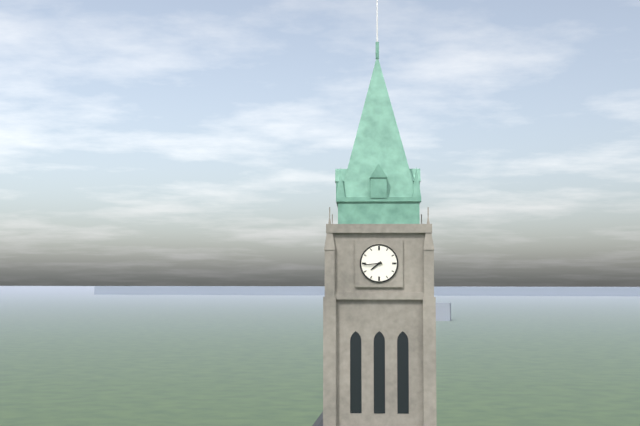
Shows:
7:44
